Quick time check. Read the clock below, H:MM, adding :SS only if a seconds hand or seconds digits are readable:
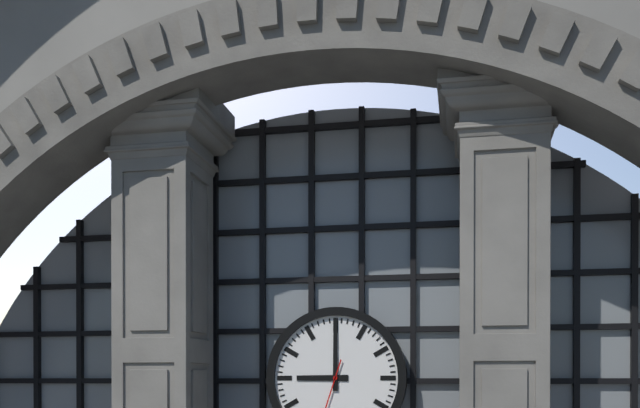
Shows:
9:00
